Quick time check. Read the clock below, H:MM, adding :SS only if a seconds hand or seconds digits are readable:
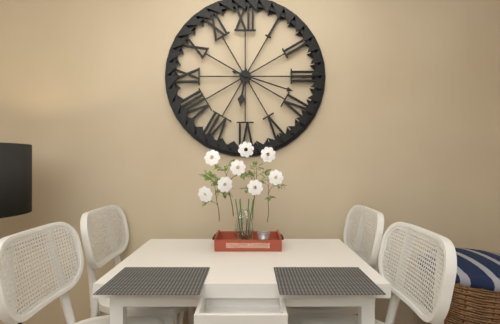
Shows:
6:18
